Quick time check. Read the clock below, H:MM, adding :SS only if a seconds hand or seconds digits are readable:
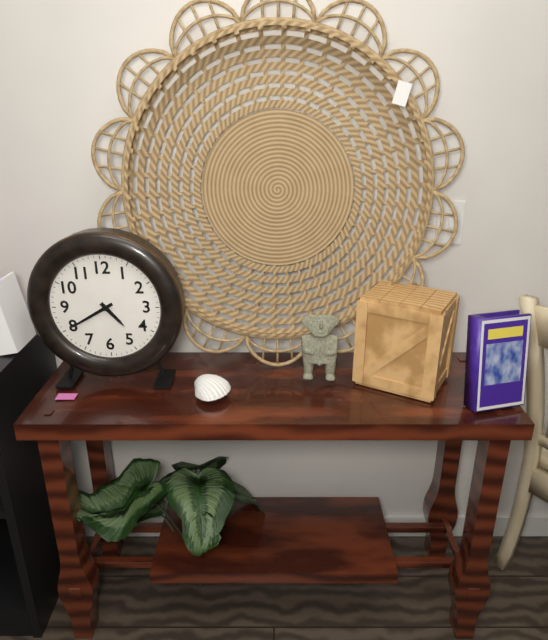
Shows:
4:40
